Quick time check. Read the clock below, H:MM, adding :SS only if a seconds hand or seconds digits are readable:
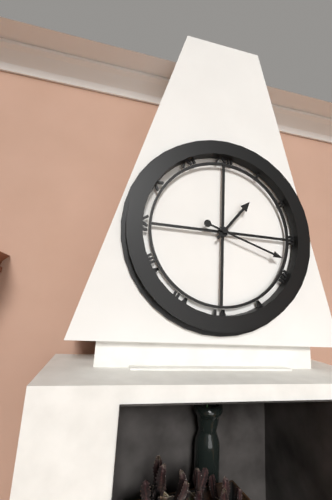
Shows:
1:18
